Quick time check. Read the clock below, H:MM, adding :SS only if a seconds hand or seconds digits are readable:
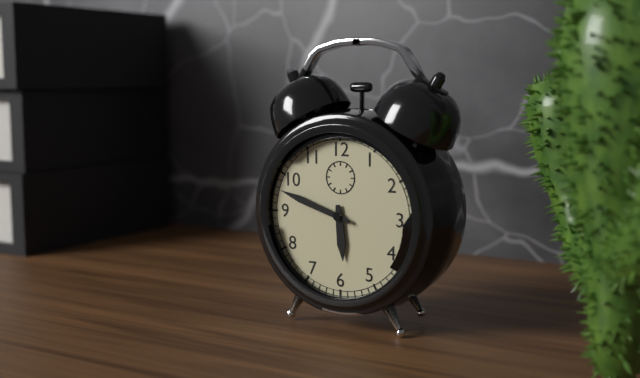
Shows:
5:48
